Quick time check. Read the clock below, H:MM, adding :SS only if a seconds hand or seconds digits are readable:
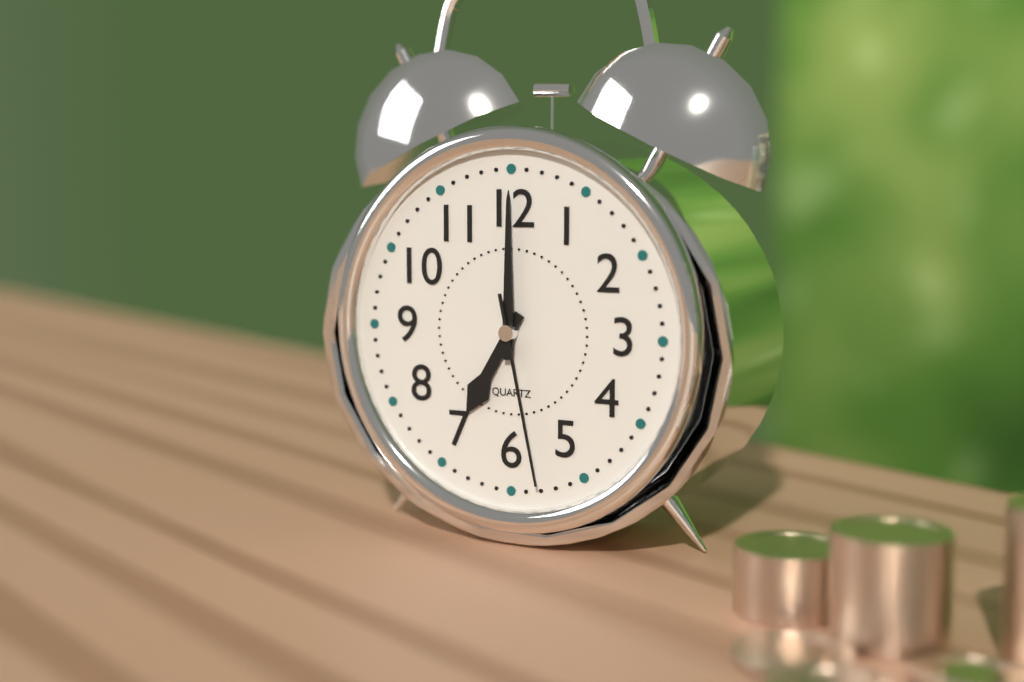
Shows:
7:00:28
